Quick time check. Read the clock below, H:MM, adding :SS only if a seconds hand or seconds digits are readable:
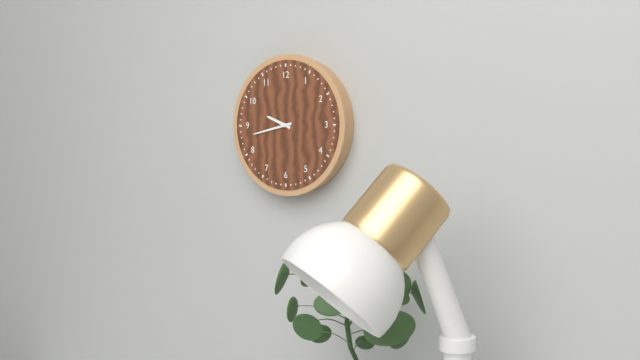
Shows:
9:43
